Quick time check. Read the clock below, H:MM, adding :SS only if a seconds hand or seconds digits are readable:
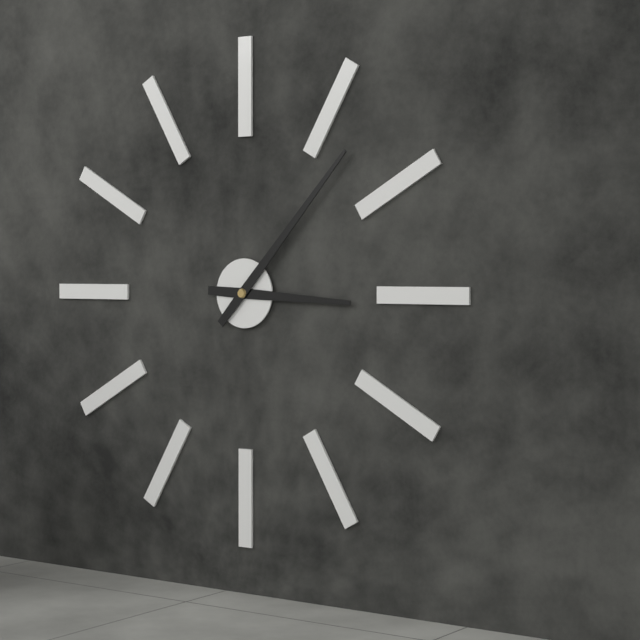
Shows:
3:07
